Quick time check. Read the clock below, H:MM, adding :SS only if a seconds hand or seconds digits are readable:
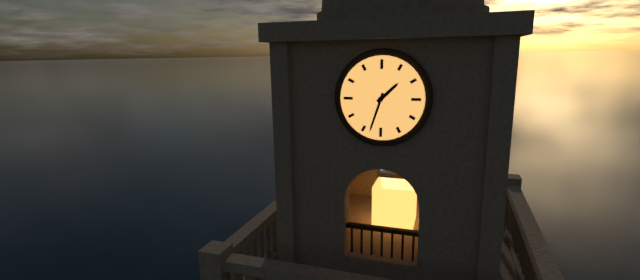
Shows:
1:33
